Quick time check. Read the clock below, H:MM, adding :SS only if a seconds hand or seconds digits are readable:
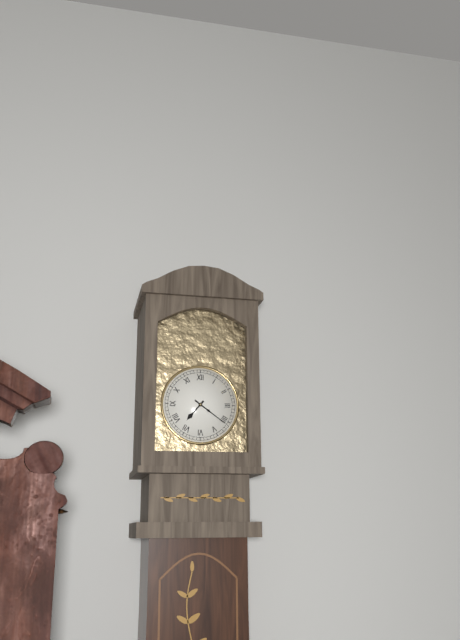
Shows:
7:21
